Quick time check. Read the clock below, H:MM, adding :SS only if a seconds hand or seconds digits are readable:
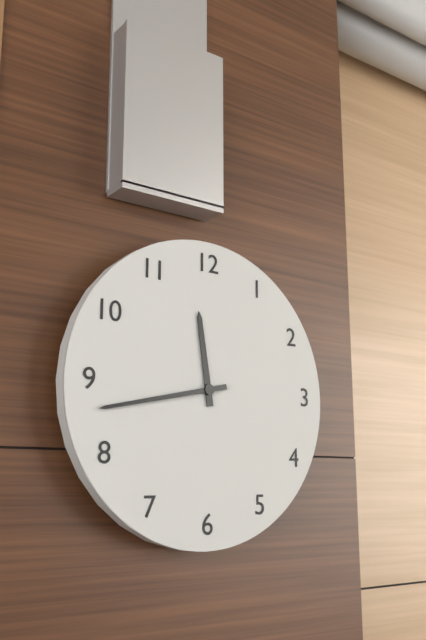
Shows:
11:43
